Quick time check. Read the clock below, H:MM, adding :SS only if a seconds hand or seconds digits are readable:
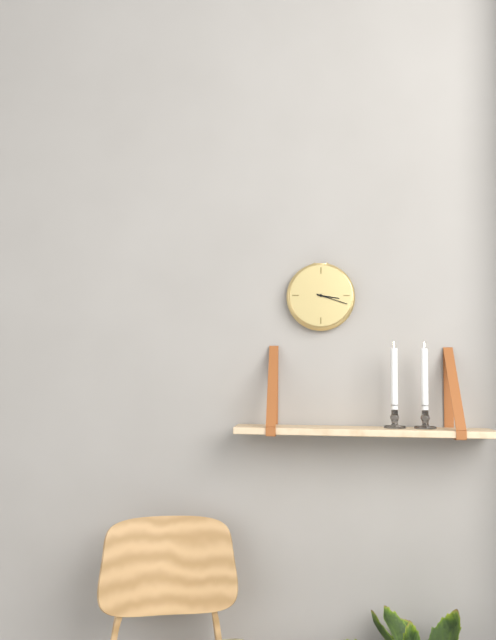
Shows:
3:18
